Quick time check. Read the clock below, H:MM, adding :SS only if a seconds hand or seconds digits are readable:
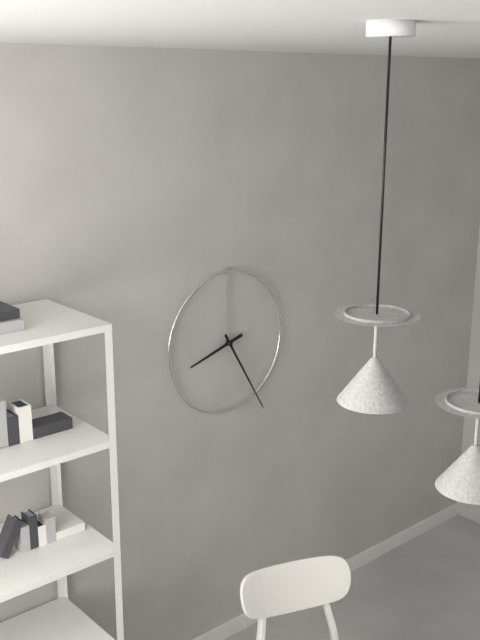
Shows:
8:25
